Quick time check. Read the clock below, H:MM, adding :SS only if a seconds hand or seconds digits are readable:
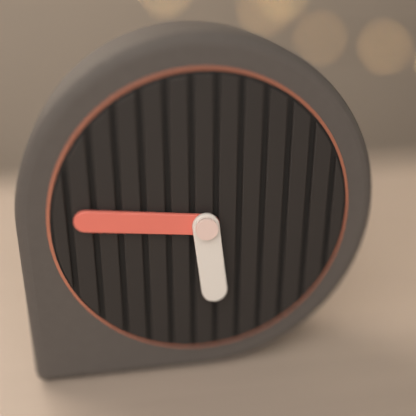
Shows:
5:46
